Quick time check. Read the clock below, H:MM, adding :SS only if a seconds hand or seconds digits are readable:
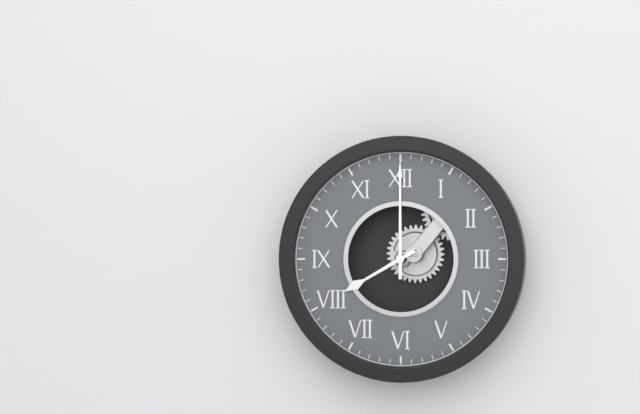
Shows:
8:00
